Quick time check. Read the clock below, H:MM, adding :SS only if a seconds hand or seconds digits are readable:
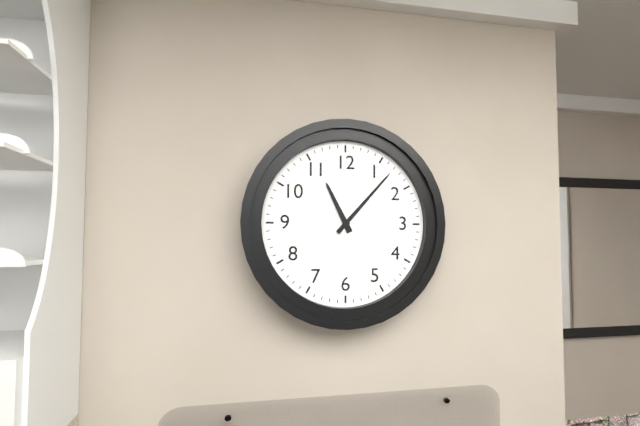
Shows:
11:07
